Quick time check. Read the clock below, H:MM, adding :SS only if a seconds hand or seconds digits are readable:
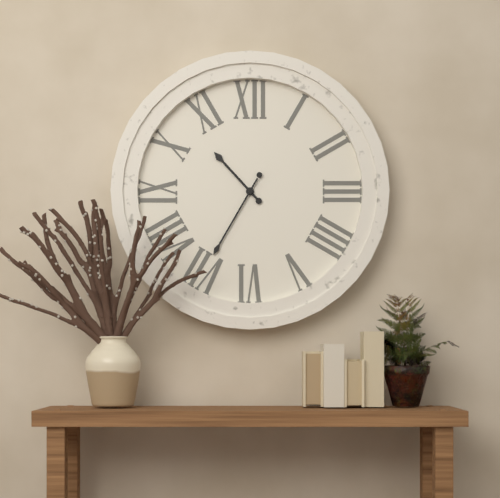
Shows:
10:35
